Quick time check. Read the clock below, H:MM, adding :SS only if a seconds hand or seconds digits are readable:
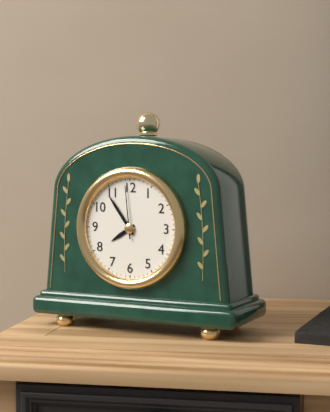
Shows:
7:54:59
